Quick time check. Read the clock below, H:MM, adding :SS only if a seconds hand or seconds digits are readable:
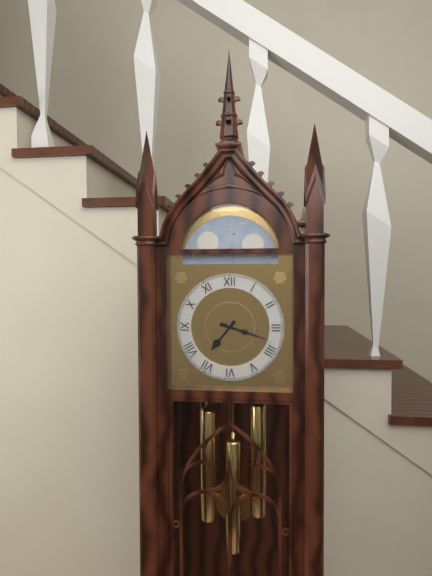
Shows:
7:18
